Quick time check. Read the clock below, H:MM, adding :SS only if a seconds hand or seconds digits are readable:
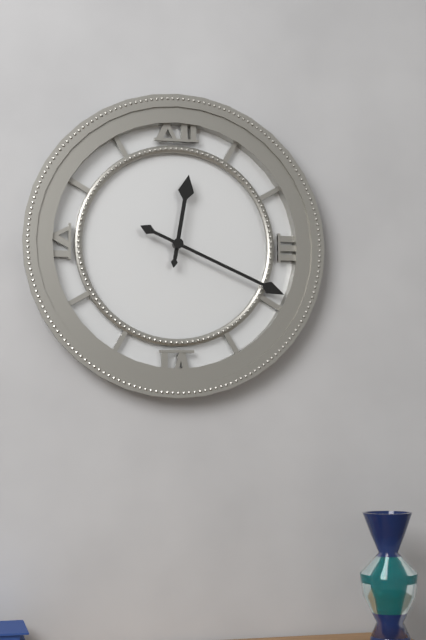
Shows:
12:19
